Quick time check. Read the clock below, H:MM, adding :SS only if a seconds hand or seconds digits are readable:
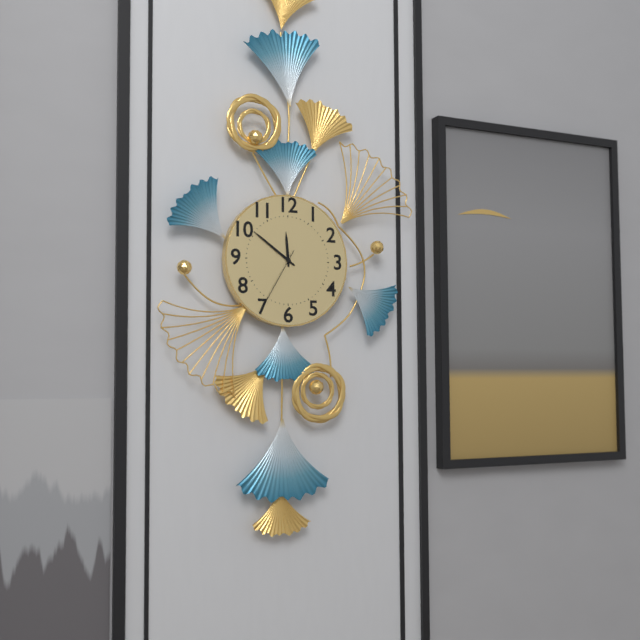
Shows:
11:51:35
